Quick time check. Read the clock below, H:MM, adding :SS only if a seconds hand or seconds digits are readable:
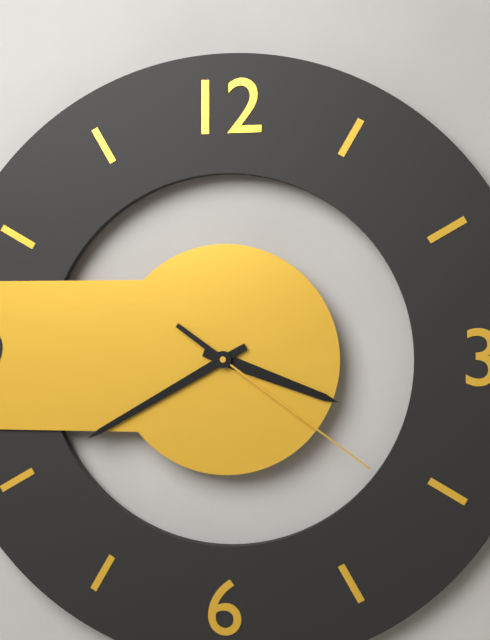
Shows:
3:40:21
